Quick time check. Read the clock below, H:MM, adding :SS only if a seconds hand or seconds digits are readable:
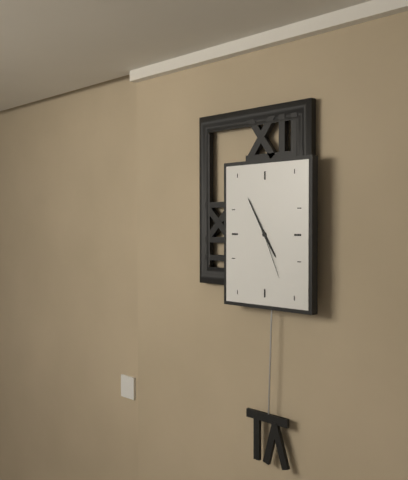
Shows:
4:55:26
